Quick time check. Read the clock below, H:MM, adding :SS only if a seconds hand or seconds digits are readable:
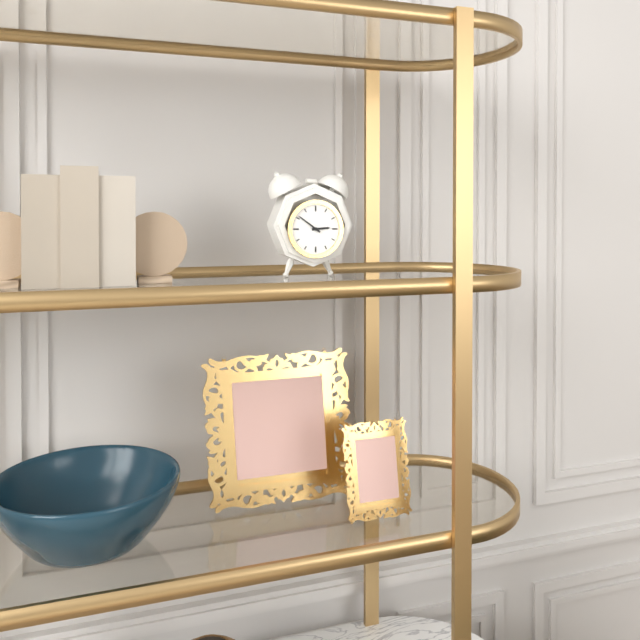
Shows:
2:51
